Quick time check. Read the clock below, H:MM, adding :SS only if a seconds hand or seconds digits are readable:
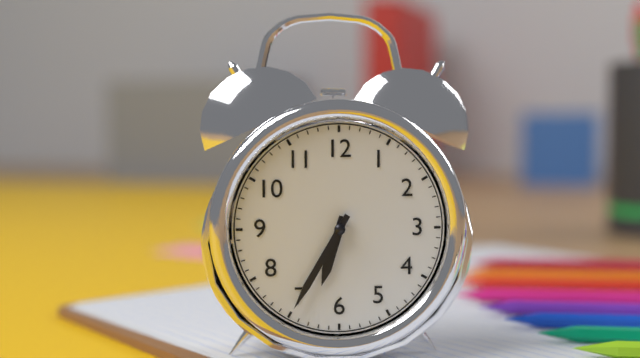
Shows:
6:35
